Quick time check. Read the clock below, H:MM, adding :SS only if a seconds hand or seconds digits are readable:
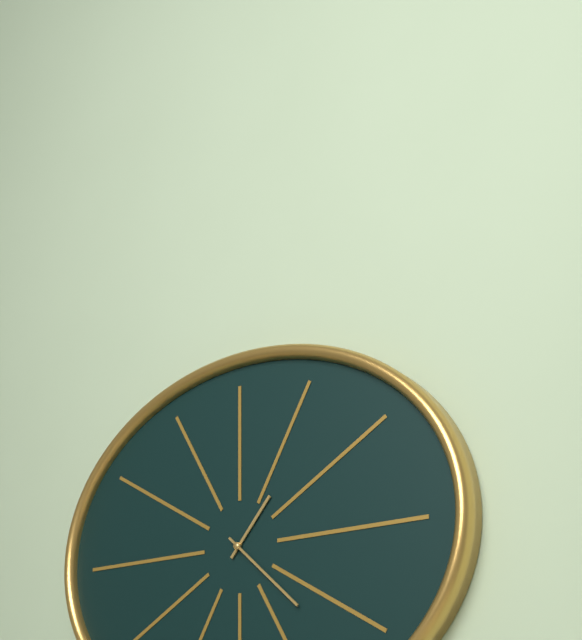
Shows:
1:22
